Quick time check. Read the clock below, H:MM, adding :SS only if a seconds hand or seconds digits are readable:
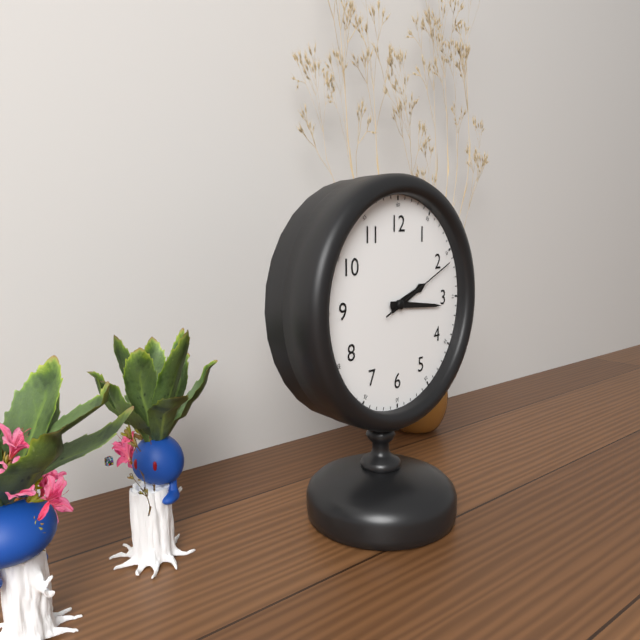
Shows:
2:16:11
